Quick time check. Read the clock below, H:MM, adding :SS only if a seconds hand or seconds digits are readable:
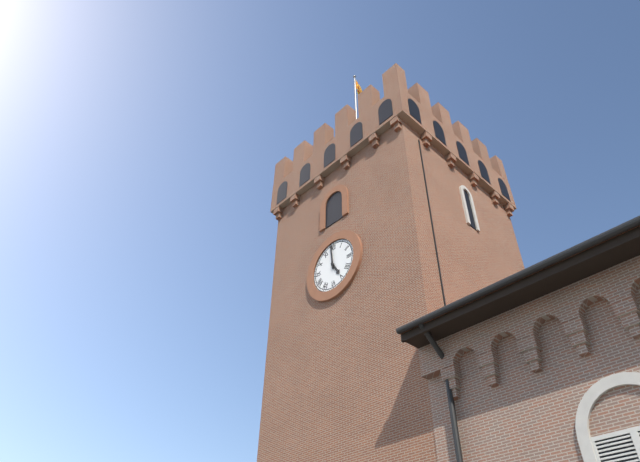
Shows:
4:59
